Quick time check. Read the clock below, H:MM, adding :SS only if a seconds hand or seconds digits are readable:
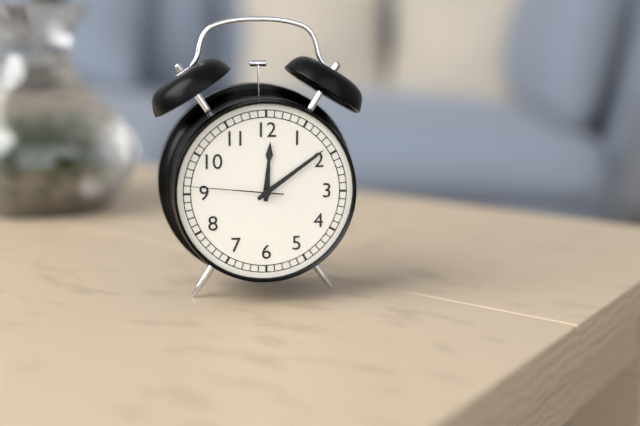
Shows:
12:09:46
